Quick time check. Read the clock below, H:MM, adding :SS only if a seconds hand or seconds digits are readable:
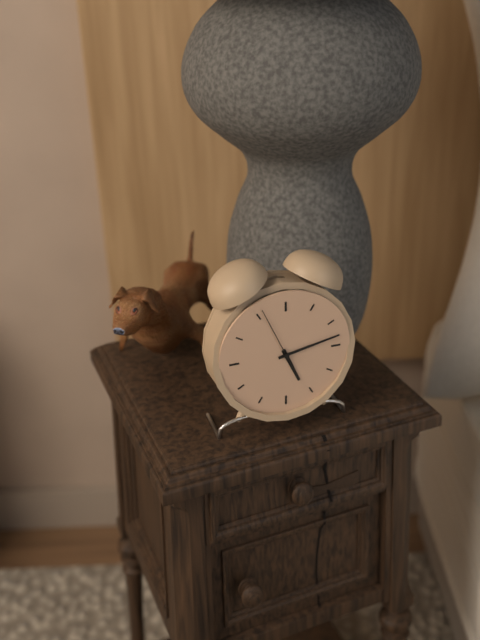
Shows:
5:13:56
